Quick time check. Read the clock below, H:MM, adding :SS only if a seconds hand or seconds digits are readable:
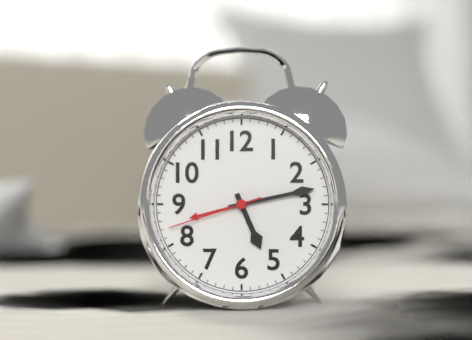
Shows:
5:13:42
